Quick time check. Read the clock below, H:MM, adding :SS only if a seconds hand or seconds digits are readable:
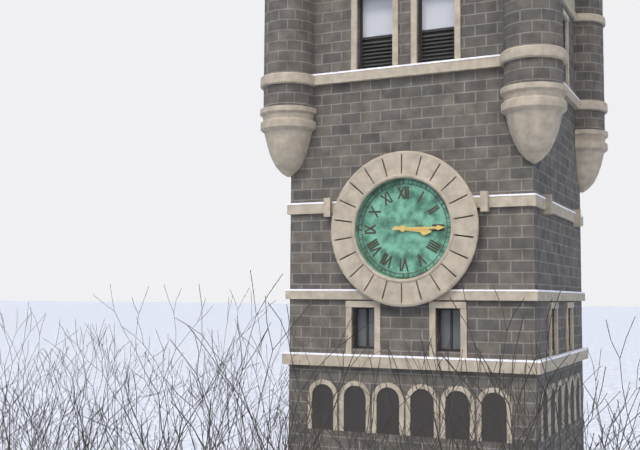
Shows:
3:15
